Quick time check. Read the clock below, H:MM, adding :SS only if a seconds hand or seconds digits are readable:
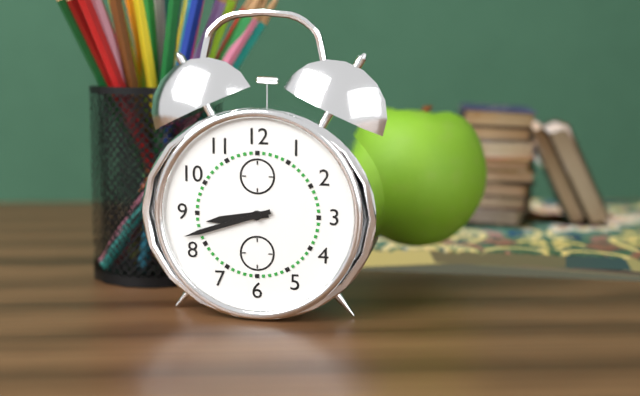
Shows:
8:42
